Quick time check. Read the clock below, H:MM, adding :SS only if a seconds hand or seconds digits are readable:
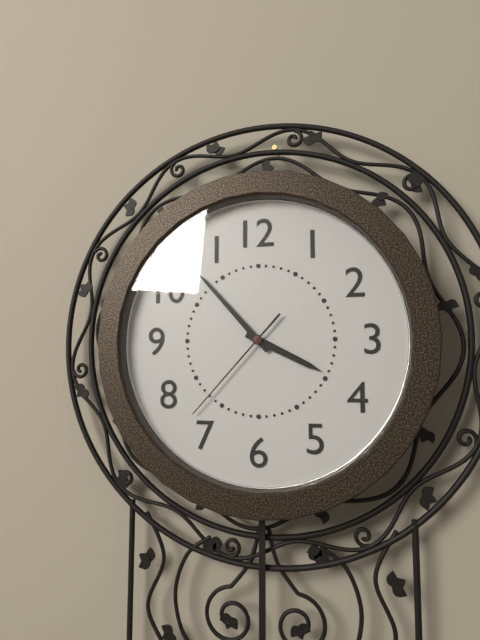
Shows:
3:53:37
